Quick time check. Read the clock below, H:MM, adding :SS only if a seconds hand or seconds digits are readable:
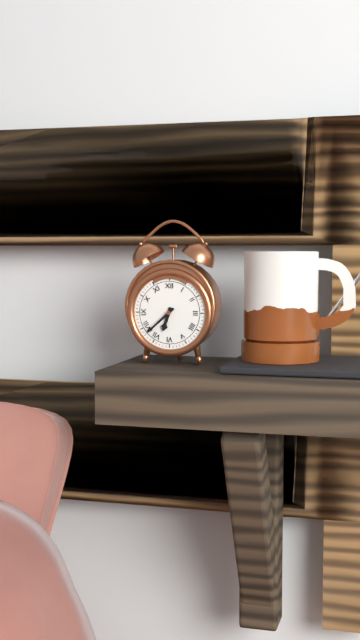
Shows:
6:38
